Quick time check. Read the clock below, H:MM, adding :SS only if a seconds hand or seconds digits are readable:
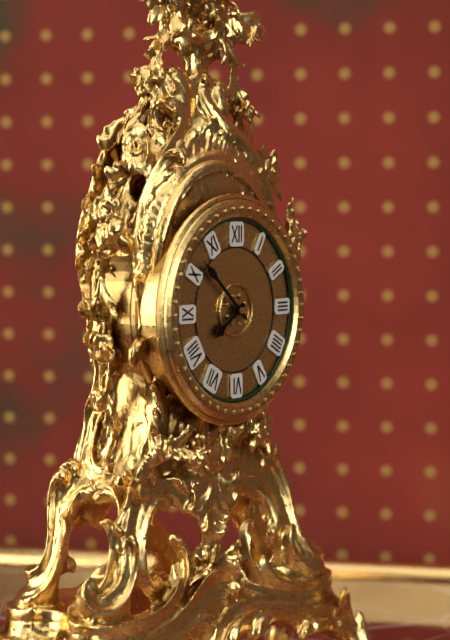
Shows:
7:52
